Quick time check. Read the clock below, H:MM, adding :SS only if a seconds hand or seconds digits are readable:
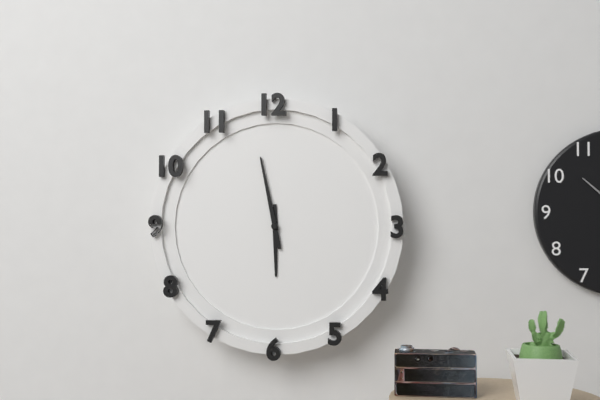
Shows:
5:58
